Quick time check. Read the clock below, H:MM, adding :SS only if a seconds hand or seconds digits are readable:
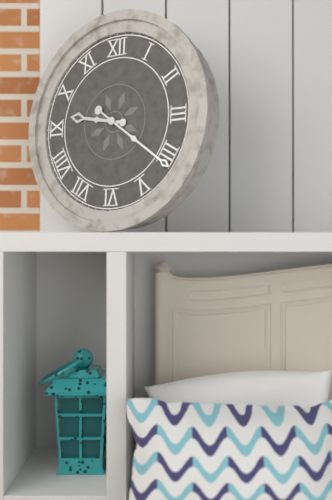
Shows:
9:21
